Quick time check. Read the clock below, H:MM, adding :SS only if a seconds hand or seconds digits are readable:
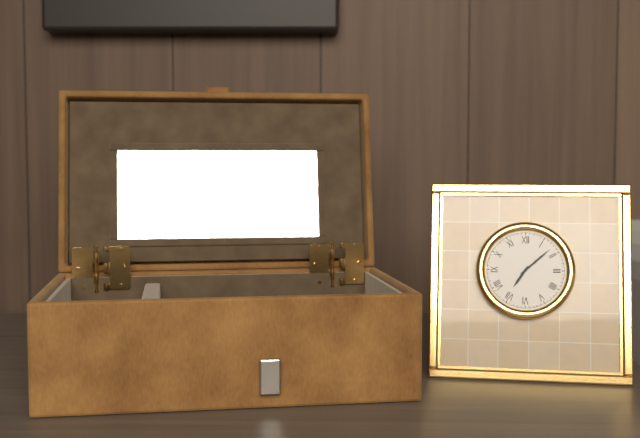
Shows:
7:08
